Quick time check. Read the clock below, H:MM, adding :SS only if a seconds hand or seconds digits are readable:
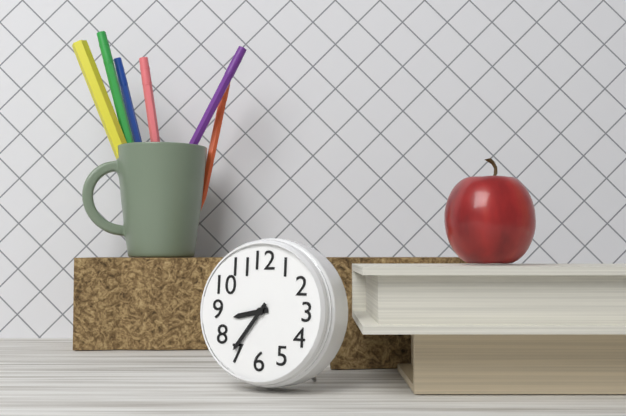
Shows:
8:36
